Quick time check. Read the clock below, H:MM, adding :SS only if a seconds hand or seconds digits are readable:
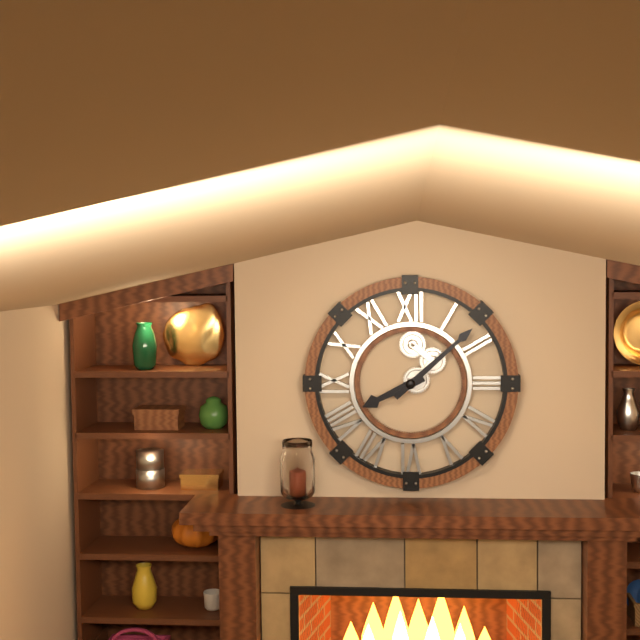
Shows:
8:08
